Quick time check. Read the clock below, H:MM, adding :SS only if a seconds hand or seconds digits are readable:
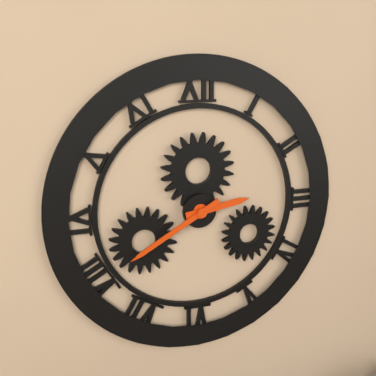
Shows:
2:40
